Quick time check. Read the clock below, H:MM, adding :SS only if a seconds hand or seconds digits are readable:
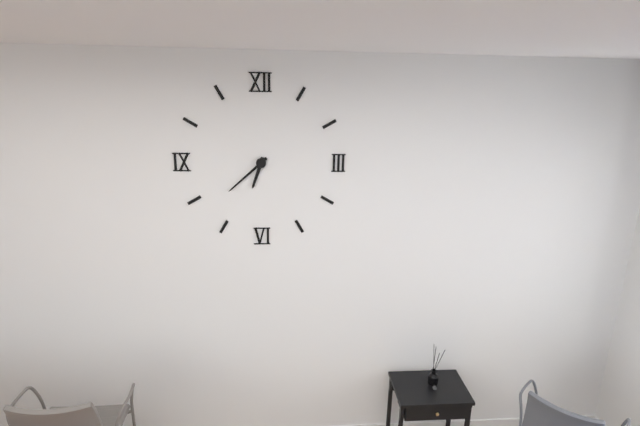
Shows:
6:38
